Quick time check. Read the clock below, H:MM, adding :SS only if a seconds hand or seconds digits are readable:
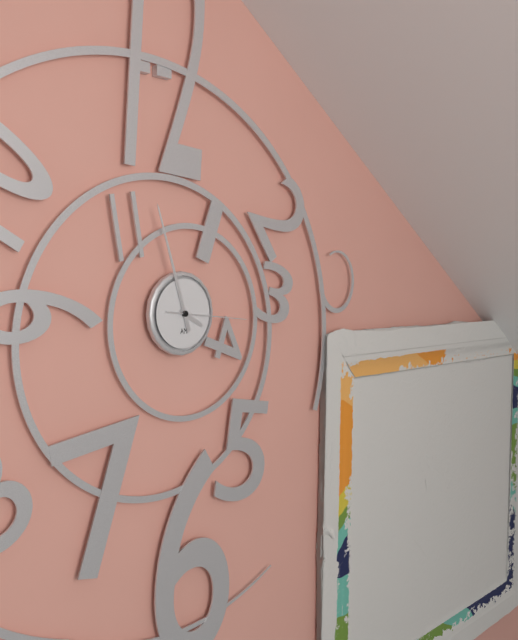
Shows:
3:57:16
